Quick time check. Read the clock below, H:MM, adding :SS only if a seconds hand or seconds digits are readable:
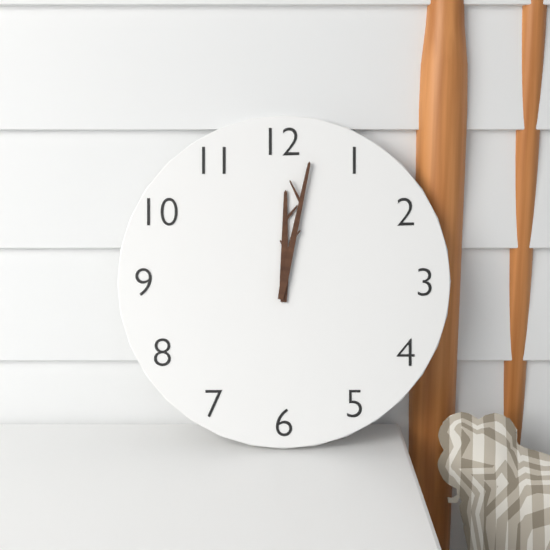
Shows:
12:02
